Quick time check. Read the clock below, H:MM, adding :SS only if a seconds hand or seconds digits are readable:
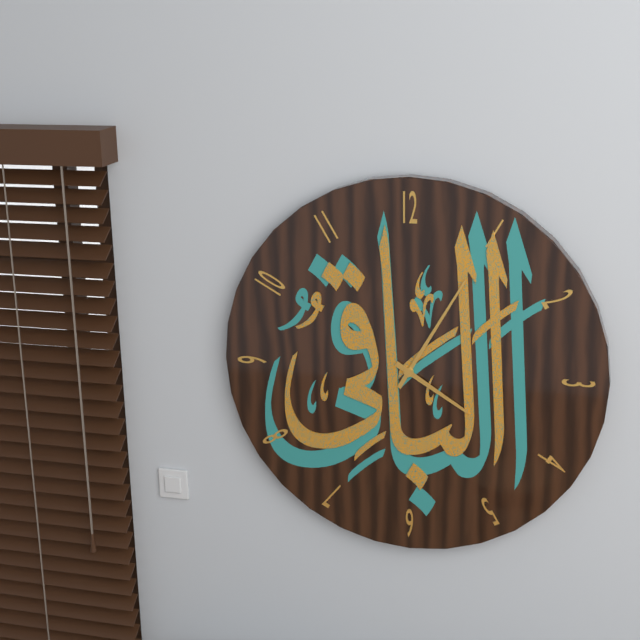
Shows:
4:05
